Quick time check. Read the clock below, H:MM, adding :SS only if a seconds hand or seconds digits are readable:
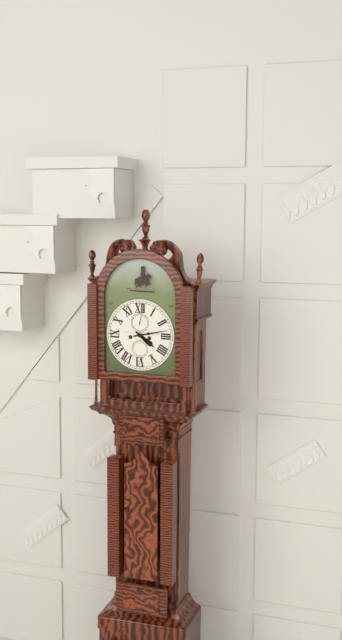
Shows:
4:13
